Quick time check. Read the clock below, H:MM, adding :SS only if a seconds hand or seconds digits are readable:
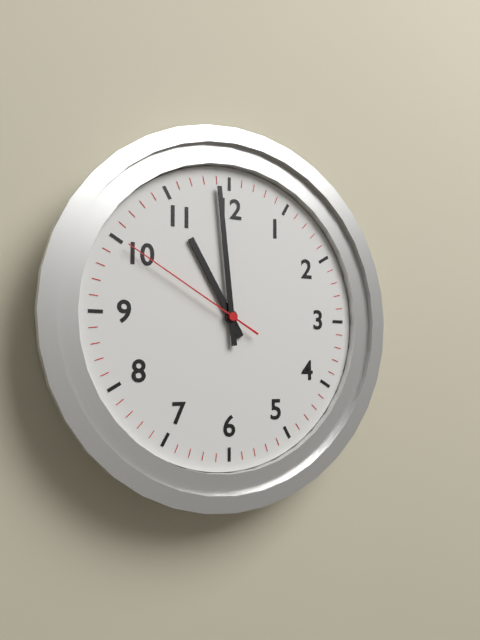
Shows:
10:59:50
